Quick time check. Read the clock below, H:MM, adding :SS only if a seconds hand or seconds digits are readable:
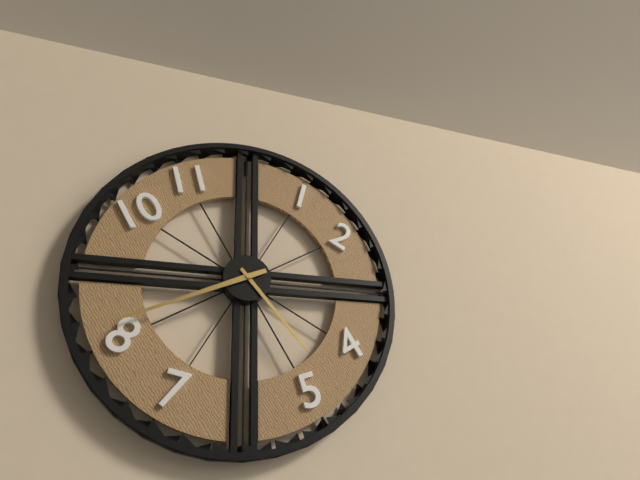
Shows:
4:41
